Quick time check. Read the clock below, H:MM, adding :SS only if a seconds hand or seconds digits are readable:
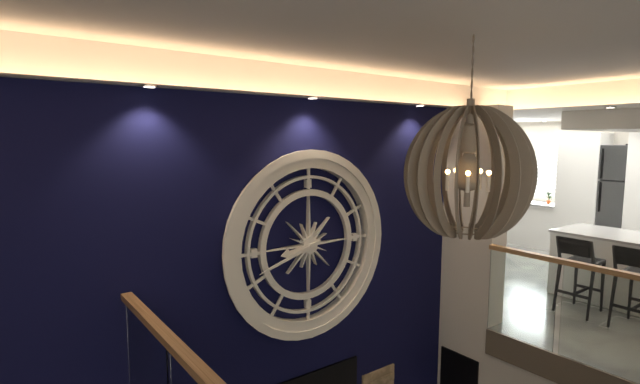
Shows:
8:42
